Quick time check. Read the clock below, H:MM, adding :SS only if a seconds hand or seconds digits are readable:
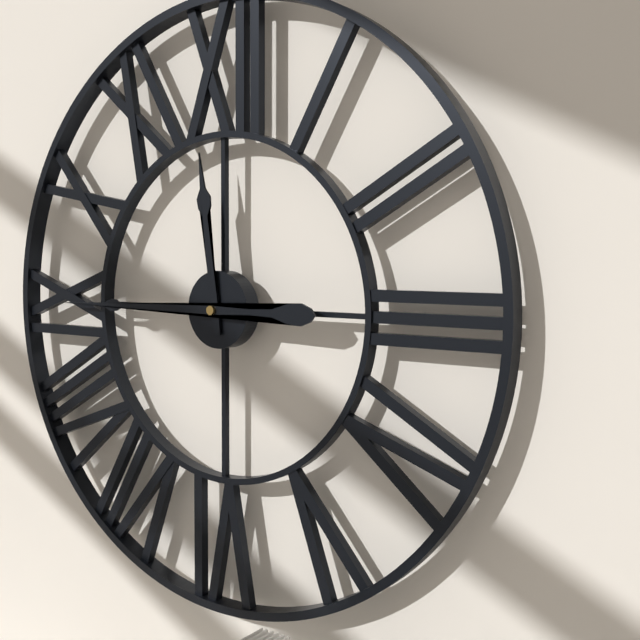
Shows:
11:45
